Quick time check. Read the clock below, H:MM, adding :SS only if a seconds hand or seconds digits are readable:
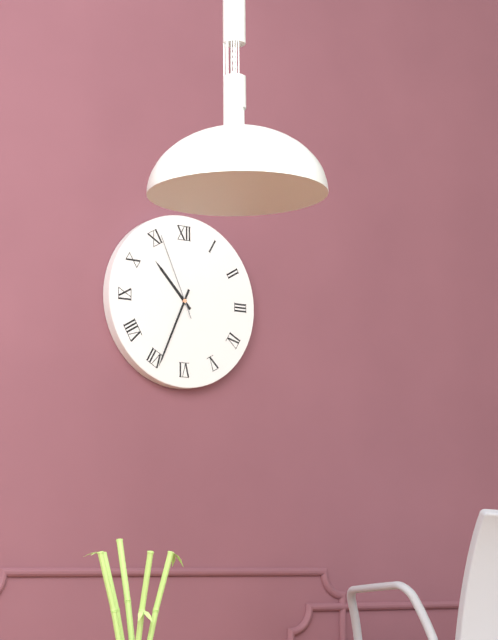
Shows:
10:34:56
